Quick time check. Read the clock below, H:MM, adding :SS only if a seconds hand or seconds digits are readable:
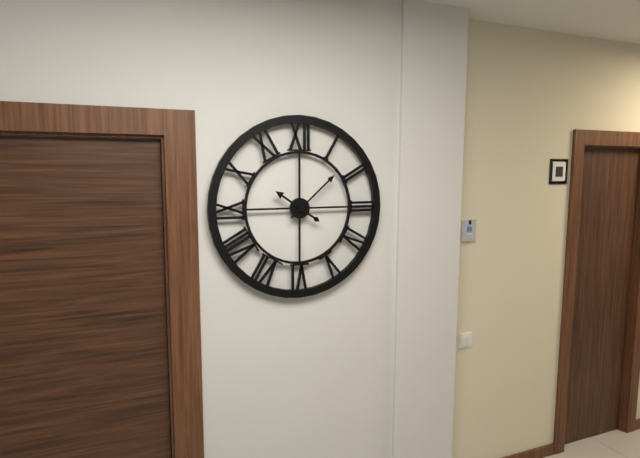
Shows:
10:08
